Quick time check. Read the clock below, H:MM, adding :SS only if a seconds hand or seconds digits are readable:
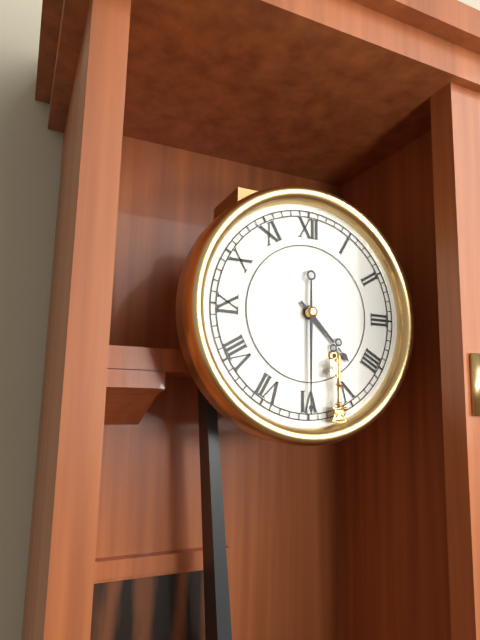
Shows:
4:30
